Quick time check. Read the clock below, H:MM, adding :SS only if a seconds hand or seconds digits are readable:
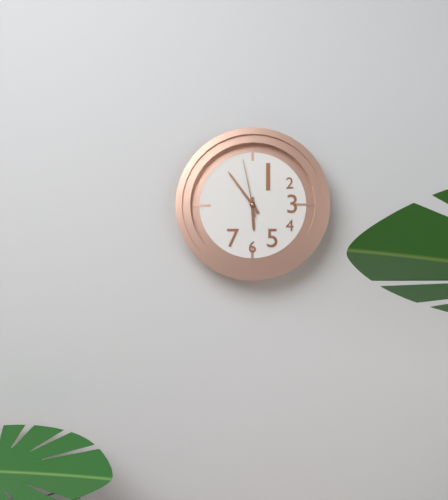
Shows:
5:54:58
